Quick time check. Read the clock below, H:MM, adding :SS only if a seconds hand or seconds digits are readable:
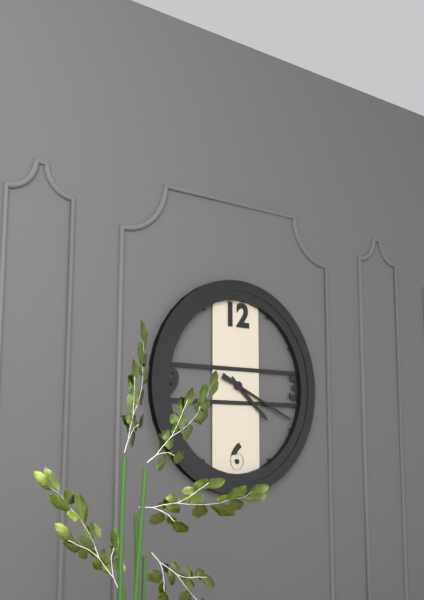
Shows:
4:19
